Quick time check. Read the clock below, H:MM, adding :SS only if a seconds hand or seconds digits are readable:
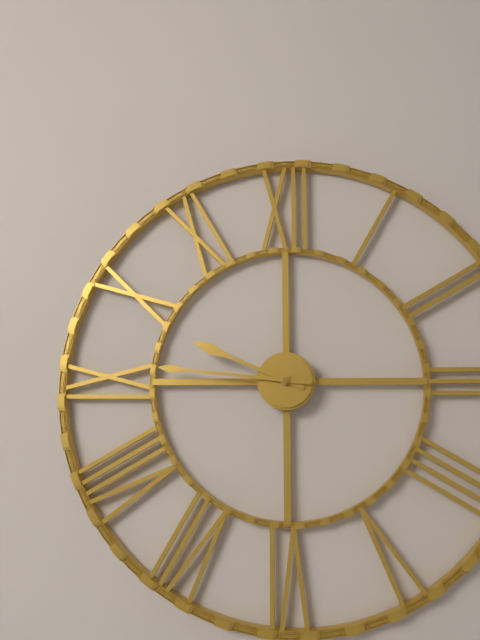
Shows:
9:46
